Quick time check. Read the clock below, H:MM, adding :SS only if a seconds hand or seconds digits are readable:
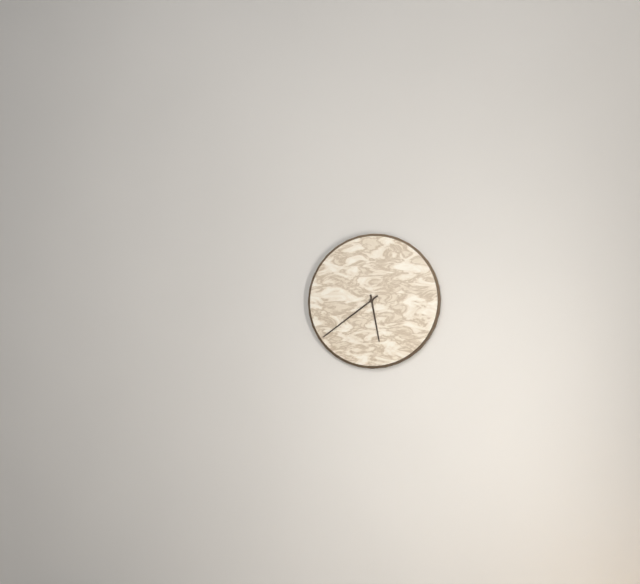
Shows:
5:39
